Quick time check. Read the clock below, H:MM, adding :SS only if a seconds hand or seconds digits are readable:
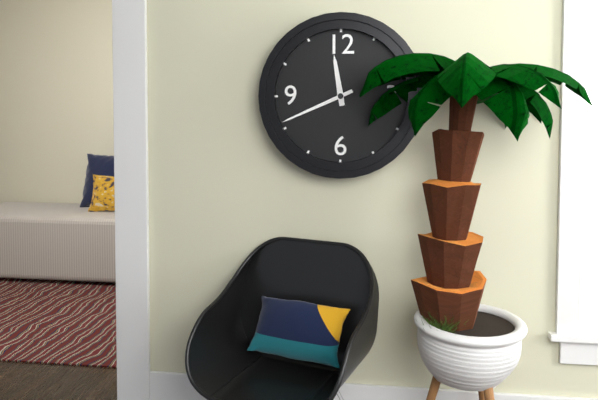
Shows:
11:41
